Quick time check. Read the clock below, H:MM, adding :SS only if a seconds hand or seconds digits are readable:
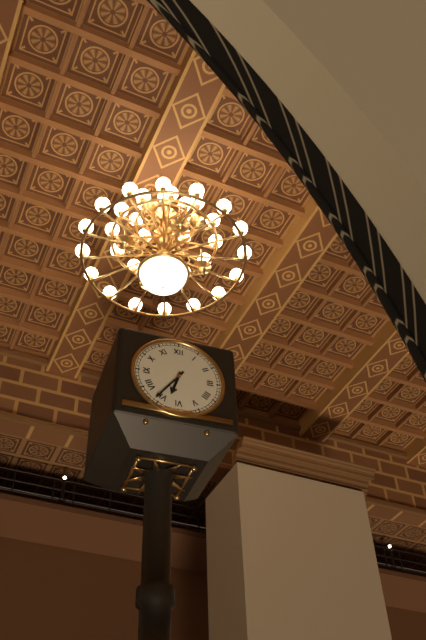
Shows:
6:36
